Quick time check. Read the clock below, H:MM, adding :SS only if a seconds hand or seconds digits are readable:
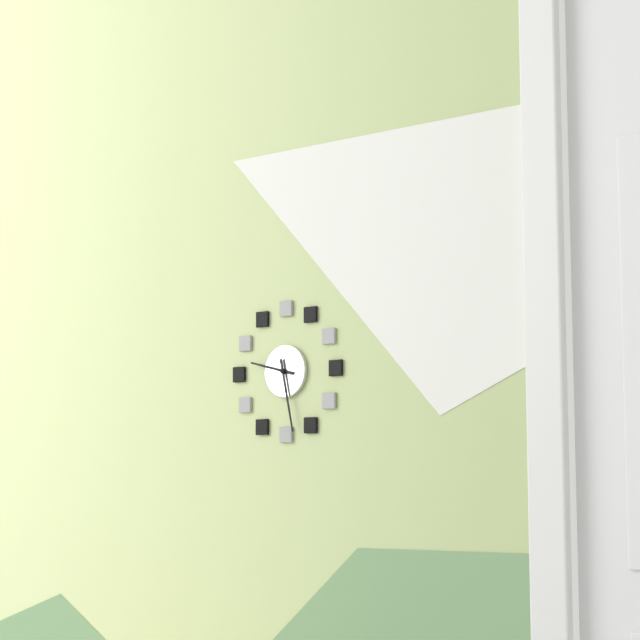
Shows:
9:28
